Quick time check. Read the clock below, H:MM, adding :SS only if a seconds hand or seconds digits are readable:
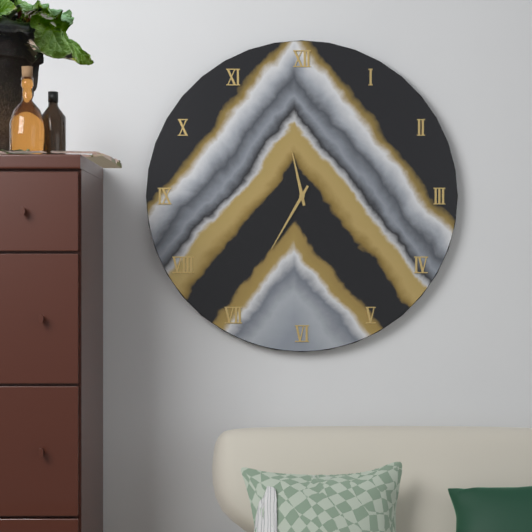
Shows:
11:35
